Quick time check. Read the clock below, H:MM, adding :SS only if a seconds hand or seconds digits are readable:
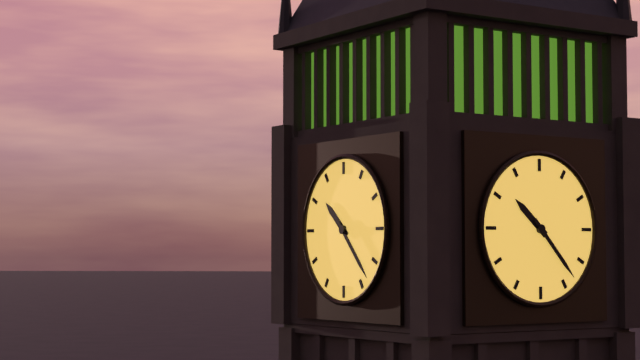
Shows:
10:23
